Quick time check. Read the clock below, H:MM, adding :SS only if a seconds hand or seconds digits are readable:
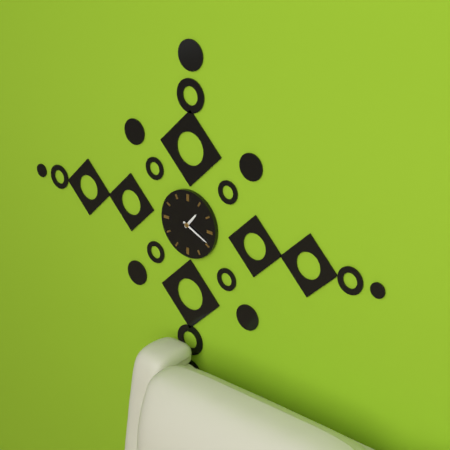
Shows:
1:19
